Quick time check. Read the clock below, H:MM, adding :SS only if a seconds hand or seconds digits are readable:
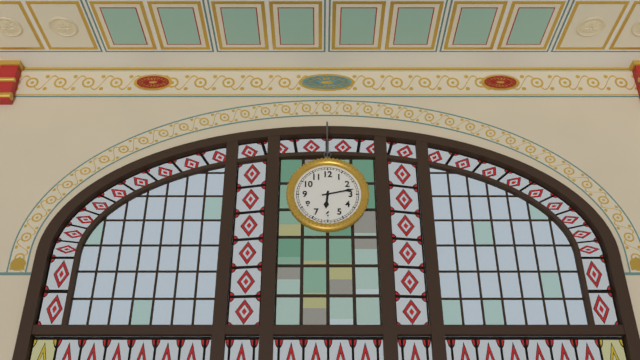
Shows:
6:13
